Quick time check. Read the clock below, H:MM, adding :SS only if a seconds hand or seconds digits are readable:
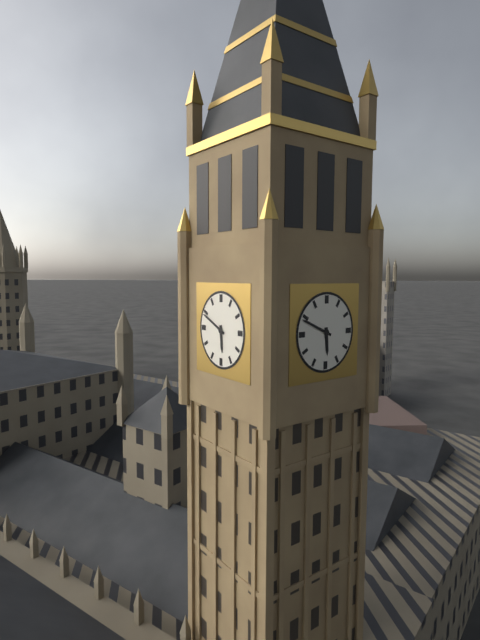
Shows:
5:49
